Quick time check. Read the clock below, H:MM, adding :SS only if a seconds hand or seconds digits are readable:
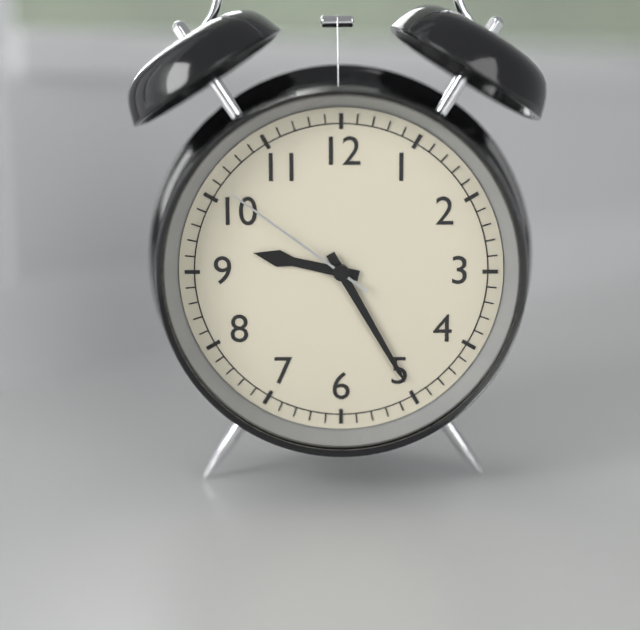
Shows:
9:25:51
